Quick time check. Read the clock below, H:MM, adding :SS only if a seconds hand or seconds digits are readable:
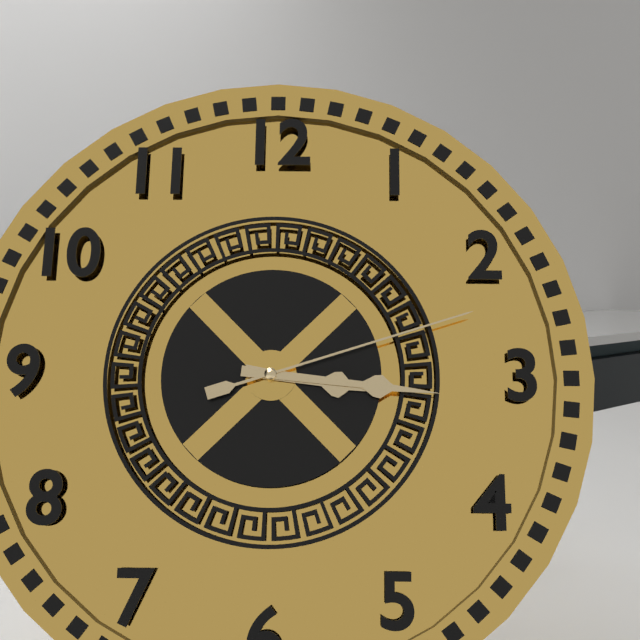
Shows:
3:16:12
